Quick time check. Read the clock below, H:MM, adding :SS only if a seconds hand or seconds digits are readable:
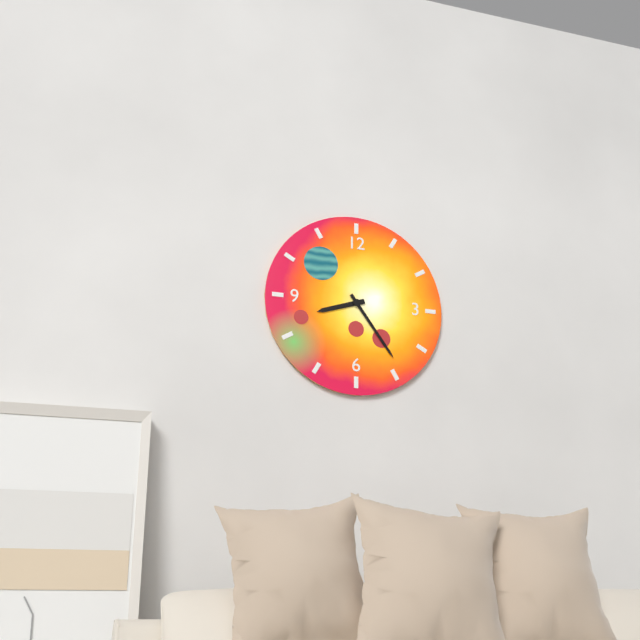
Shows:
8:24
